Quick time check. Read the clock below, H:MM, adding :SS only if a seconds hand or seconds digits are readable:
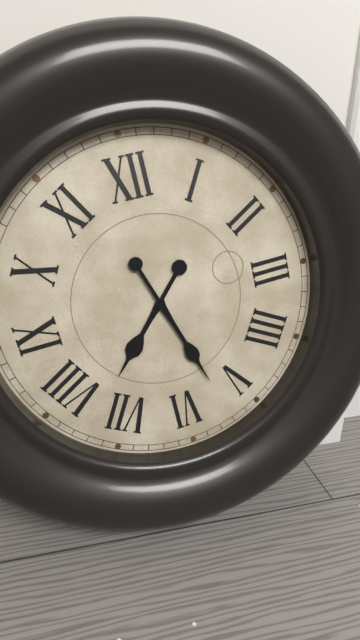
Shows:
7:27
